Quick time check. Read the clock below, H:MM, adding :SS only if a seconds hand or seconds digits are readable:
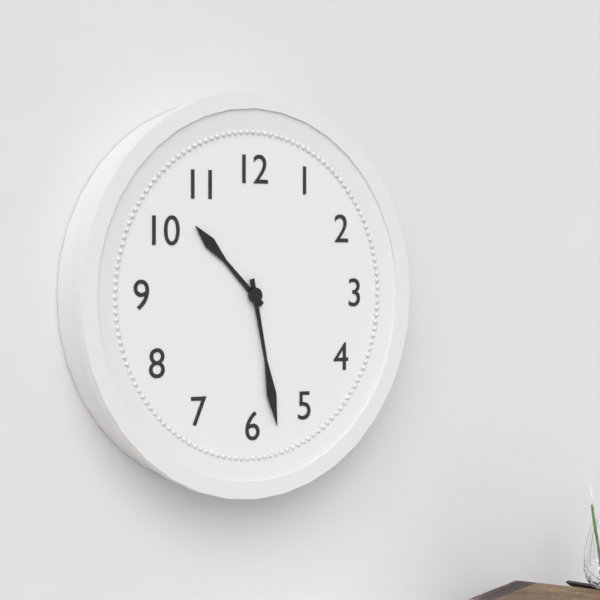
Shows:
10:28
